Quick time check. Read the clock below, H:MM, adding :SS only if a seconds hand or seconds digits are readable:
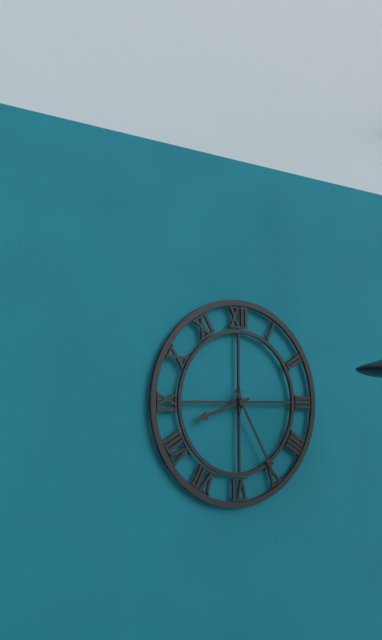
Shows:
8:25
